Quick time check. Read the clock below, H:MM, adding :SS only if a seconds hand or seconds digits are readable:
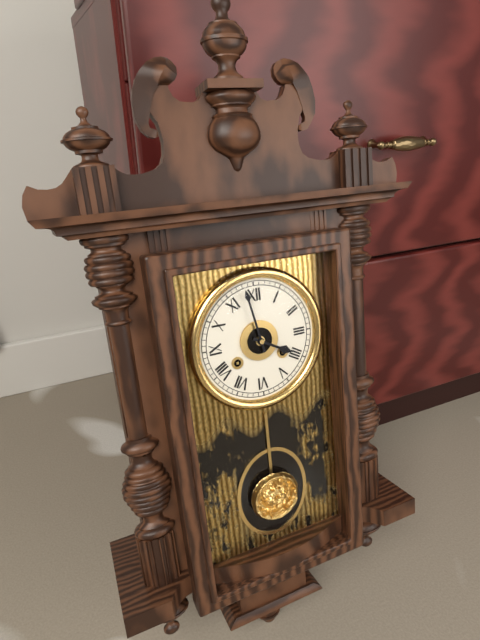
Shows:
3:58
